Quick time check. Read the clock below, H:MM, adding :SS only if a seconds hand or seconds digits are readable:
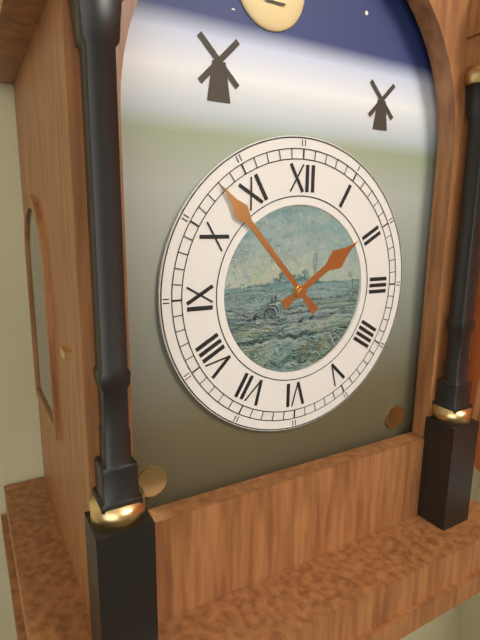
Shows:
1:53
